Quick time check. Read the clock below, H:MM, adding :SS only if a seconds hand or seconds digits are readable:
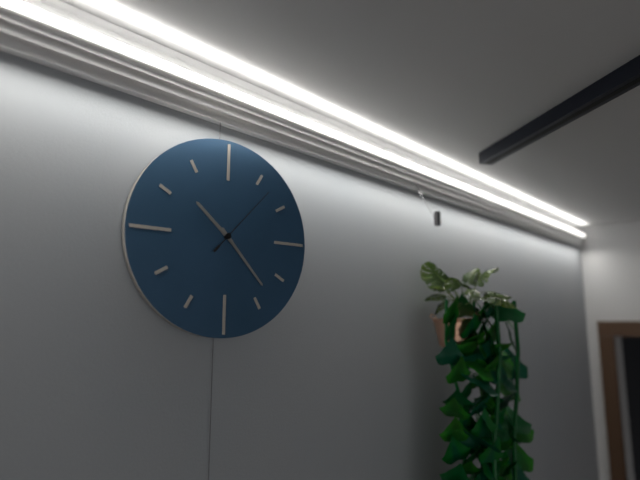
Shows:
10:23:07
